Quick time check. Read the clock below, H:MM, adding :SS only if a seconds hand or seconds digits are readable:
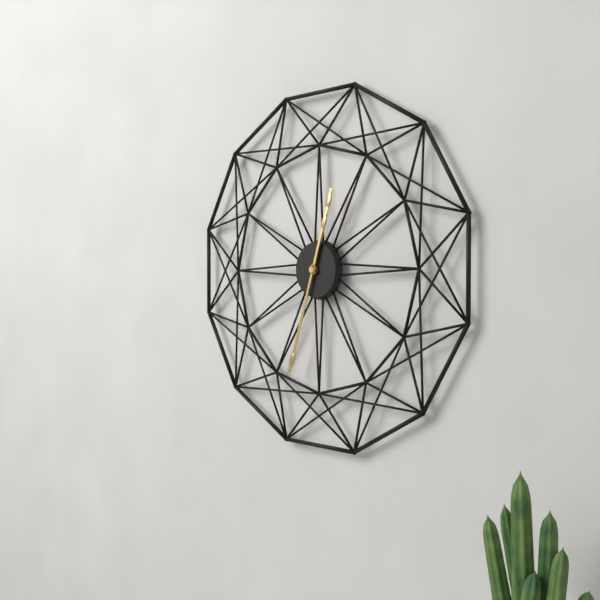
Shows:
12:33
